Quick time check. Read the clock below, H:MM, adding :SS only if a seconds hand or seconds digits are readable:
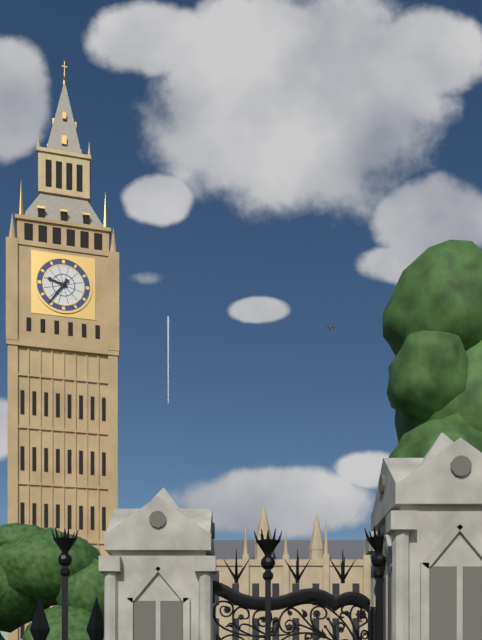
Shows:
9:36
